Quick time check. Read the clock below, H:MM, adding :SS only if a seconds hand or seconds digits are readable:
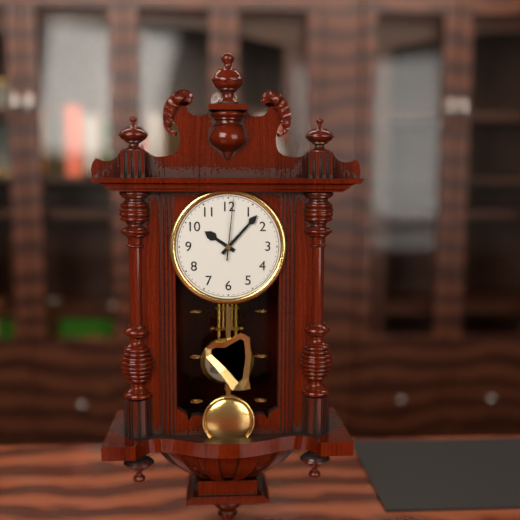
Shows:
10:07:01
